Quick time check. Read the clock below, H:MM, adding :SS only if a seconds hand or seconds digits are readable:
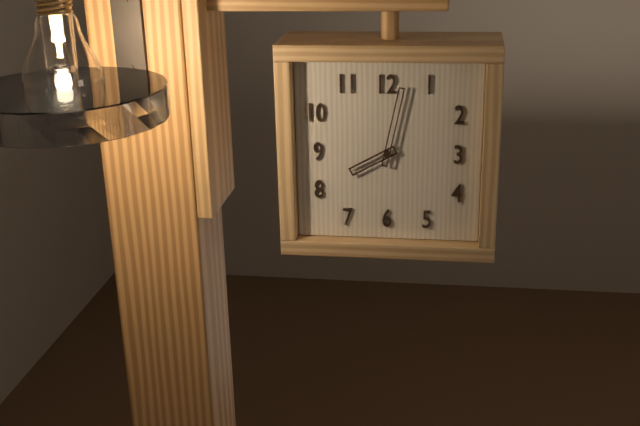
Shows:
8:02
